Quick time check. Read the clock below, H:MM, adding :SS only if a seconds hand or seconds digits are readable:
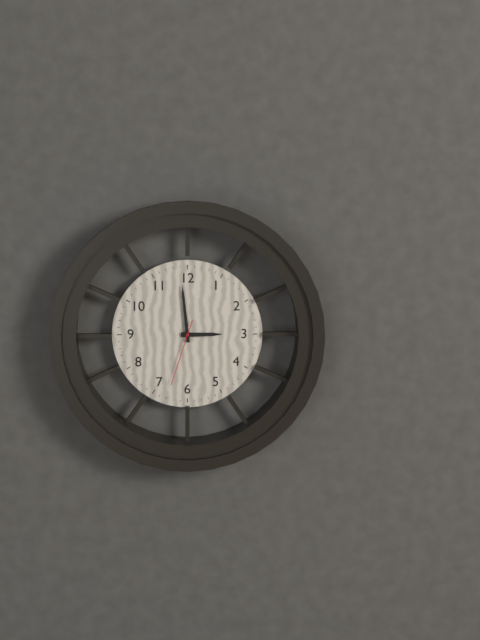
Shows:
2:59:33
